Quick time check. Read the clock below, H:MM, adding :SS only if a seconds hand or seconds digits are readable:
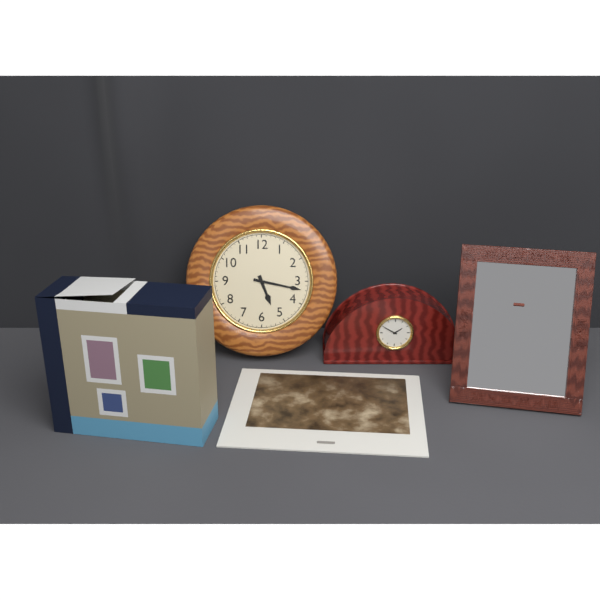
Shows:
5:17
